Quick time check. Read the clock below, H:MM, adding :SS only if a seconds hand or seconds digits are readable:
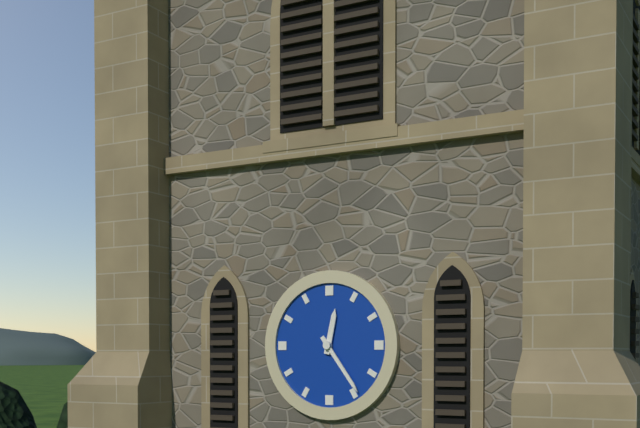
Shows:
12:24
